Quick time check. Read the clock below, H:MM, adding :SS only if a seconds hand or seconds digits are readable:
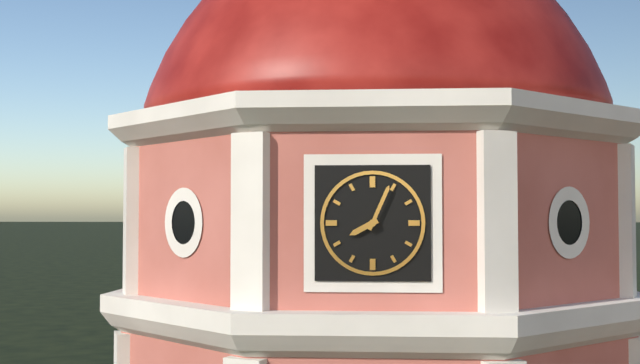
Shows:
8:04
